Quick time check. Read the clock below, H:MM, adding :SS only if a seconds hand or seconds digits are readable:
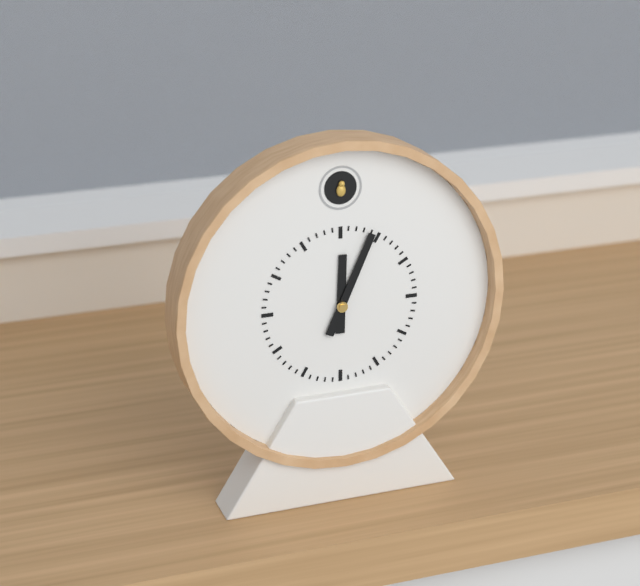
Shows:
12:04
